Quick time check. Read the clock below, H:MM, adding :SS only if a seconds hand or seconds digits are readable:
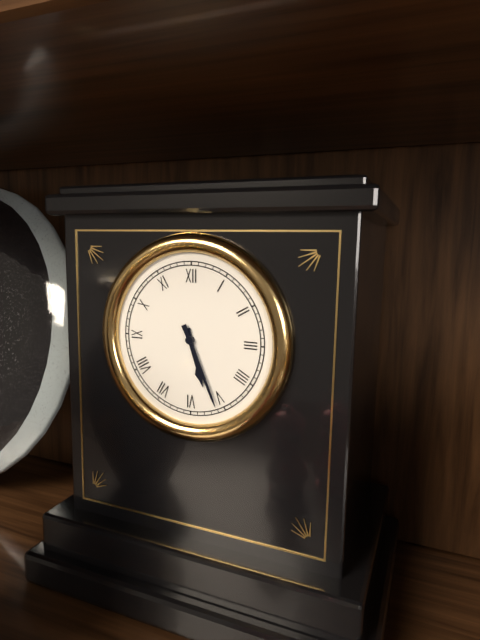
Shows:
5:26
